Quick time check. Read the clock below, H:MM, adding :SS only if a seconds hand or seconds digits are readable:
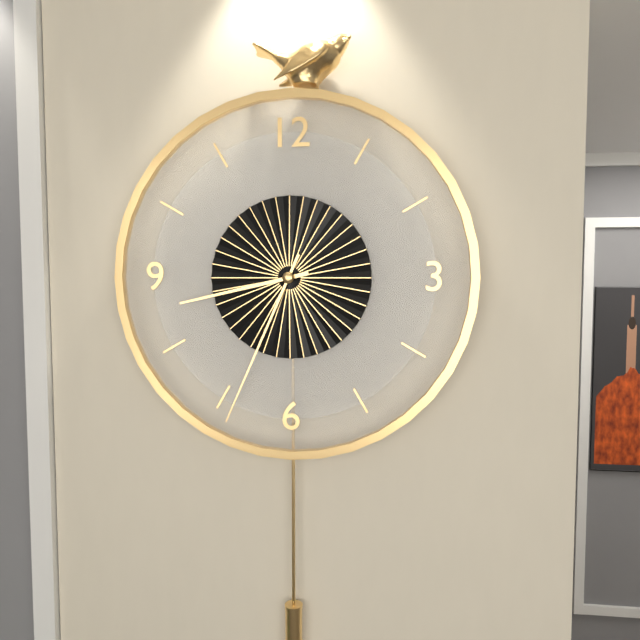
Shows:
8:34
